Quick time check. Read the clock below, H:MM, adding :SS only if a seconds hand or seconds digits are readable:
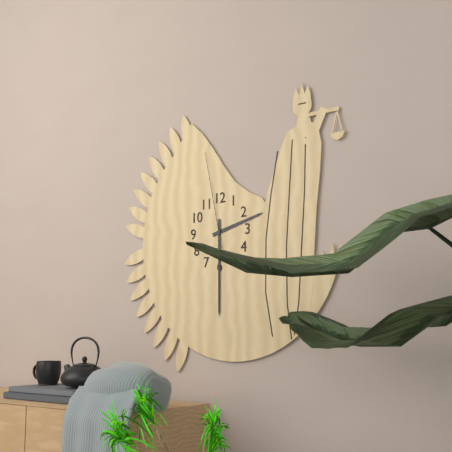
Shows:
2:30:58
